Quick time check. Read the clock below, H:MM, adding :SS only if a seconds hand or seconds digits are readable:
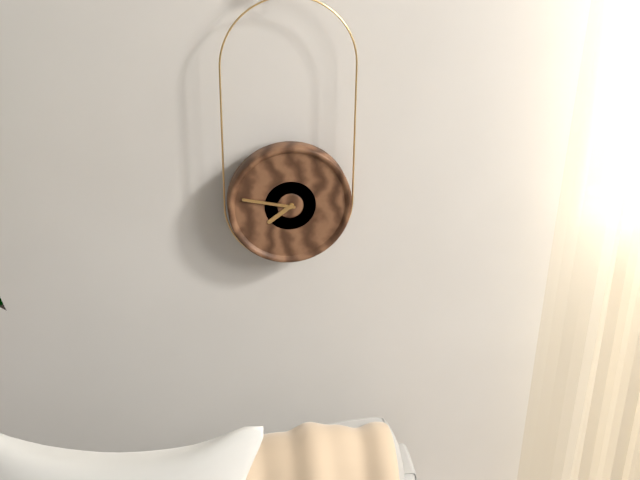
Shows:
7:47
